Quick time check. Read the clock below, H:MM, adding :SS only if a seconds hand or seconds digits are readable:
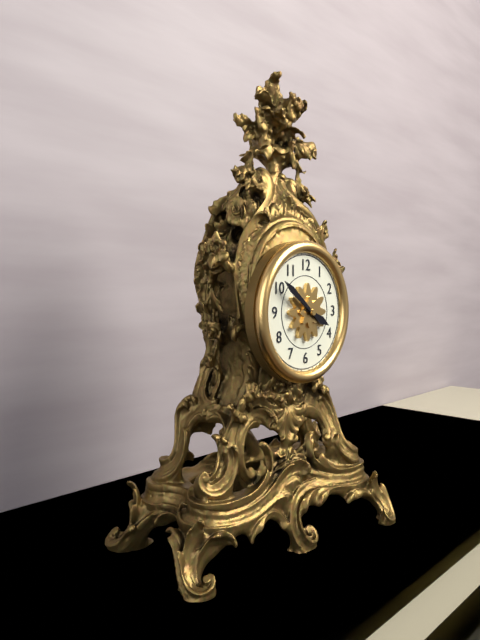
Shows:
3:51
